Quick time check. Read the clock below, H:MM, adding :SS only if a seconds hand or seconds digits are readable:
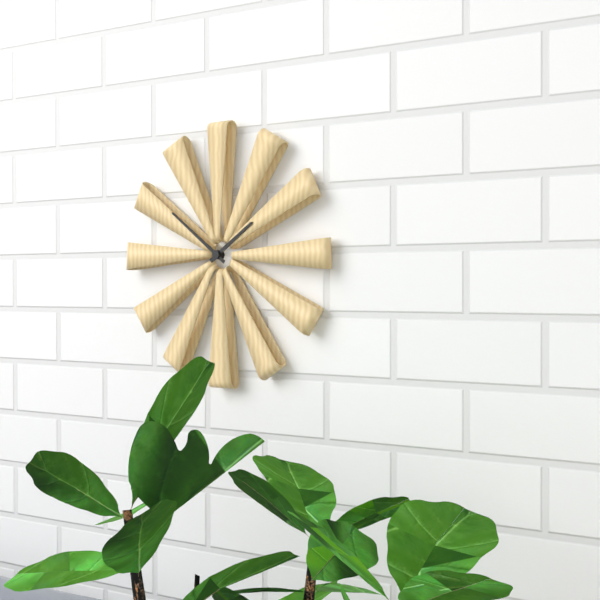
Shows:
1:51
